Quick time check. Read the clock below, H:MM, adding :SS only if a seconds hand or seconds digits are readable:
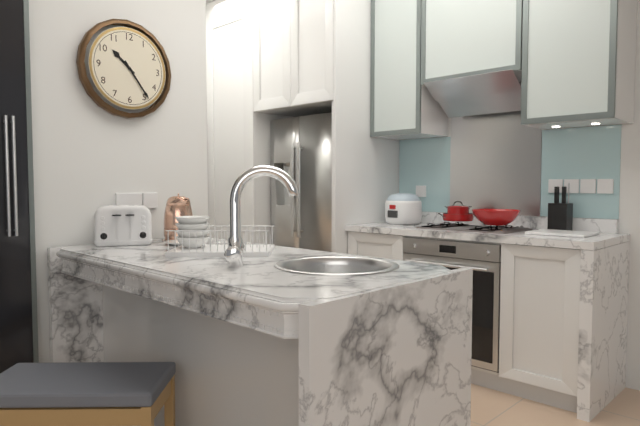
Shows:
10:24
